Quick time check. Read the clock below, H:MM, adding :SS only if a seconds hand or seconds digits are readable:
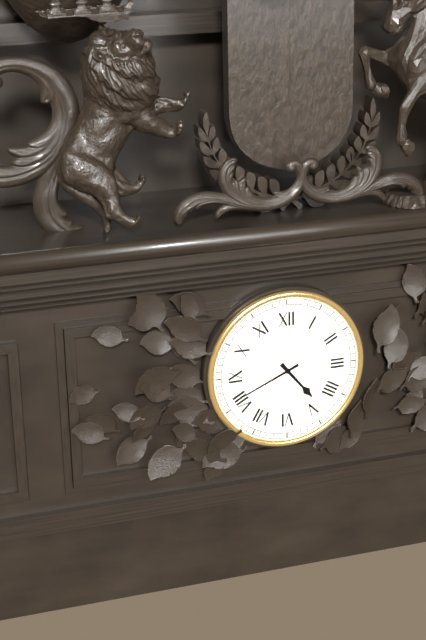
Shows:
4:41
